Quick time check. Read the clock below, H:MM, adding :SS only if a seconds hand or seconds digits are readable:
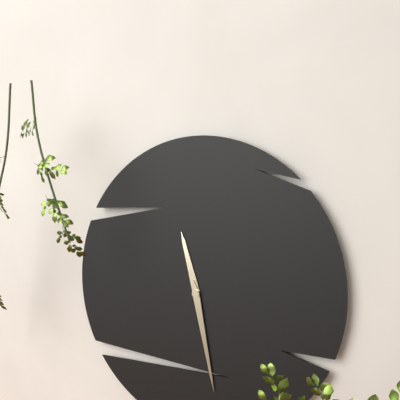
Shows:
11:28
